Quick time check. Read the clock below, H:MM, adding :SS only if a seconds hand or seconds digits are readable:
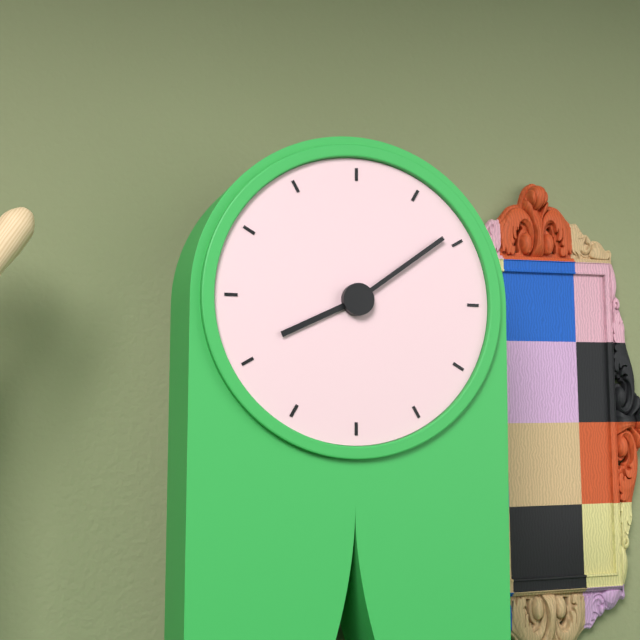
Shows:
8:09
